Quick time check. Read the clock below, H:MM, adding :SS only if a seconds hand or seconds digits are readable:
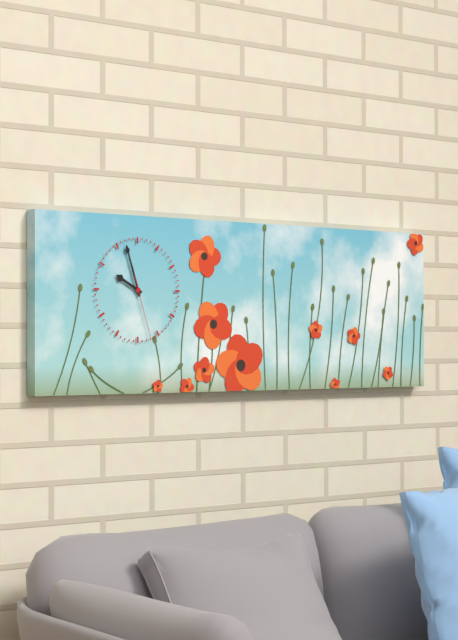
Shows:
9:57:27
